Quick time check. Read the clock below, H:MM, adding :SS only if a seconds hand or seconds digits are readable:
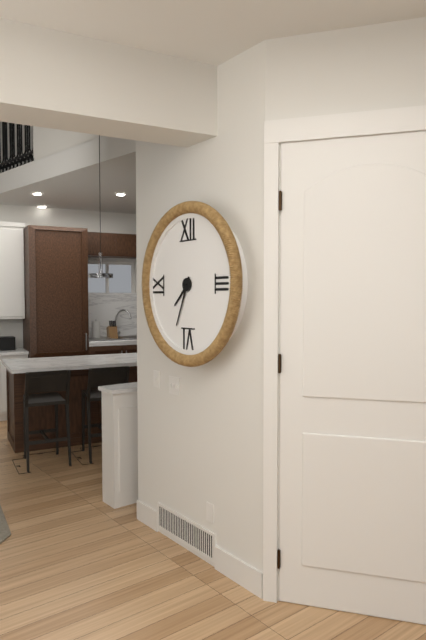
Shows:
7:34
